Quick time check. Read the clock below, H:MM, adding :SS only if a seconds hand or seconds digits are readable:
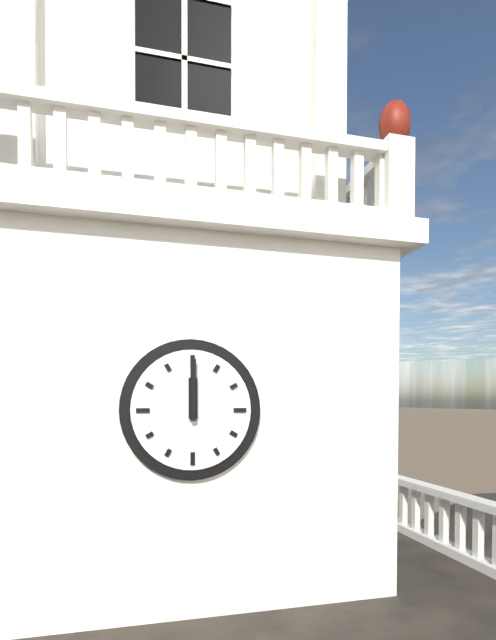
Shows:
12:00
